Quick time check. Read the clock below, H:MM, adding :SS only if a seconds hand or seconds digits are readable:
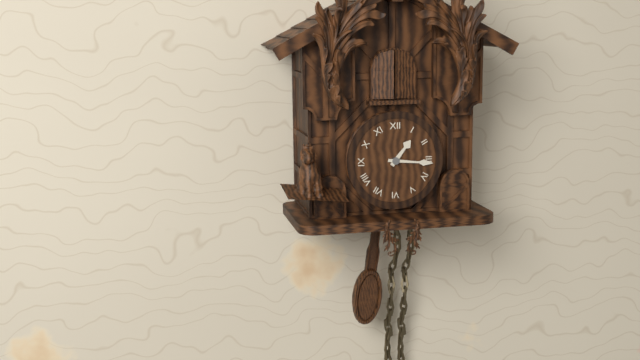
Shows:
1:16
